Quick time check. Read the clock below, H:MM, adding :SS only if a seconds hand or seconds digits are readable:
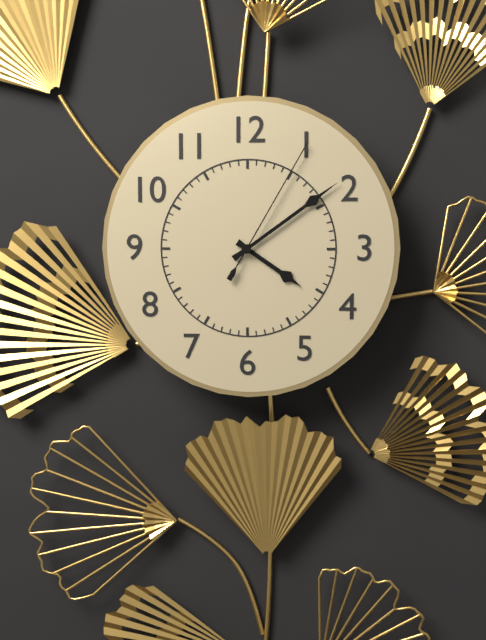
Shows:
4:09:05
